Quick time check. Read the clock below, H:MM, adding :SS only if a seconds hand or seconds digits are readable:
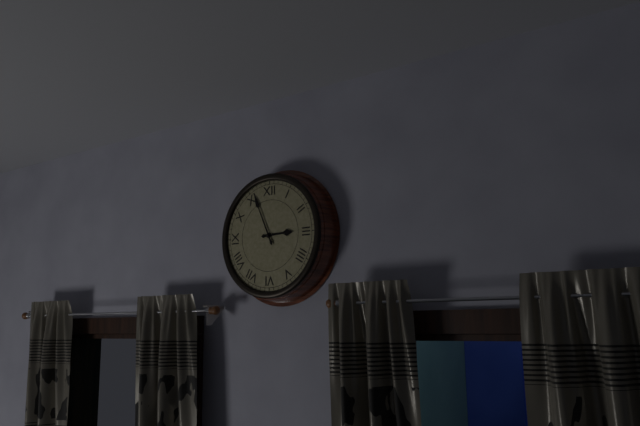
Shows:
2:56
